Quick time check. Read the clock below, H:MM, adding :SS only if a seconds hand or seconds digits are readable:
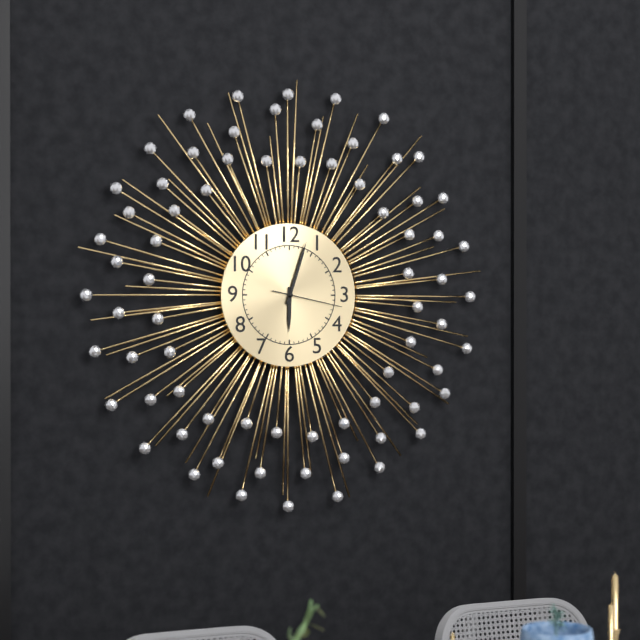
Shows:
6:03:17
